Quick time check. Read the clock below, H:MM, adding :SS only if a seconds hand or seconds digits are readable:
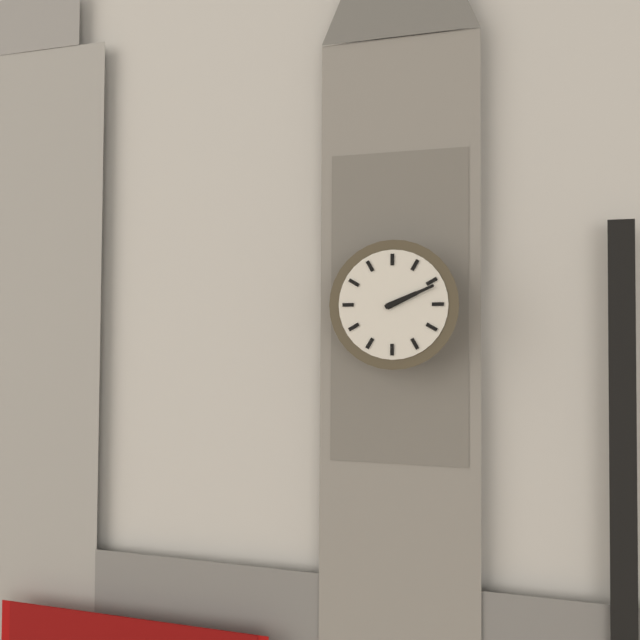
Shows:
2:11
